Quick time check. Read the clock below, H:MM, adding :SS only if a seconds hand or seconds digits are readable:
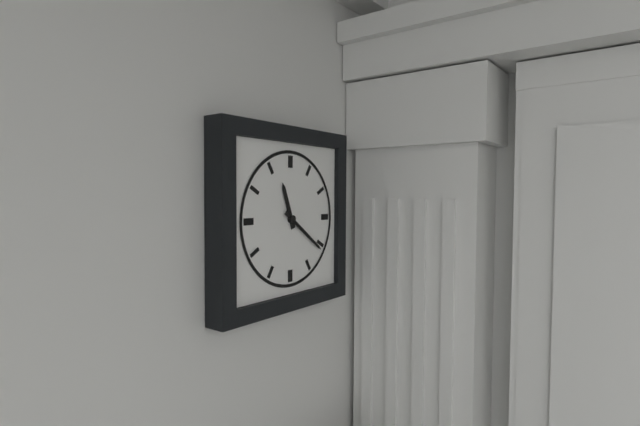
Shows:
11:21
